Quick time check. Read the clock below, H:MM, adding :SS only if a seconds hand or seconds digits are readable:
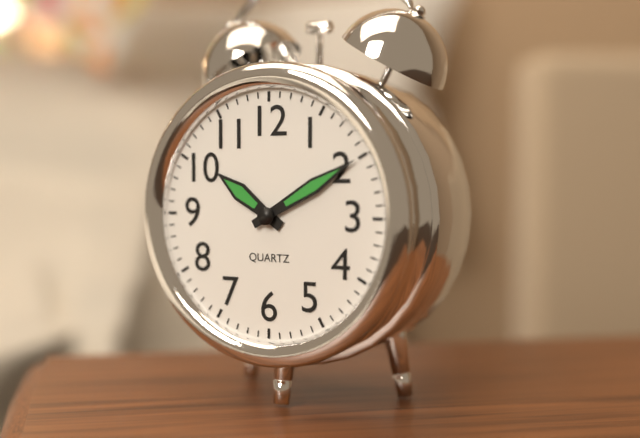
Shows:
10:10
